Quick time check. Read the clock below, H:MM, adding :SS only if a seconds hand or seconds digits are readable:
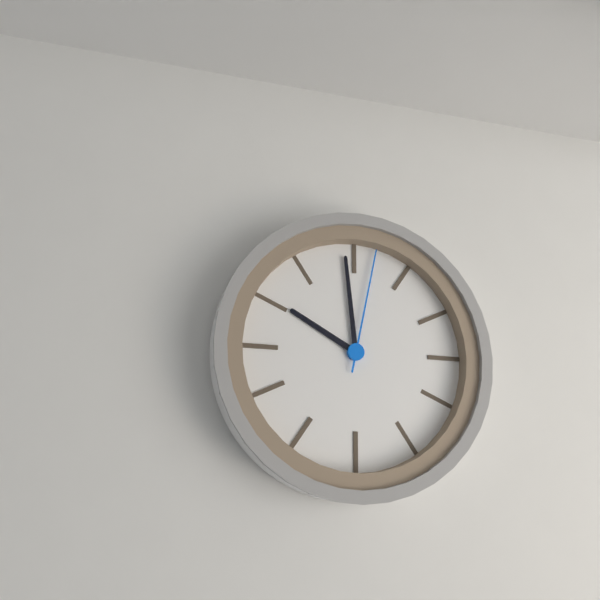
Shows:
9:59:02
